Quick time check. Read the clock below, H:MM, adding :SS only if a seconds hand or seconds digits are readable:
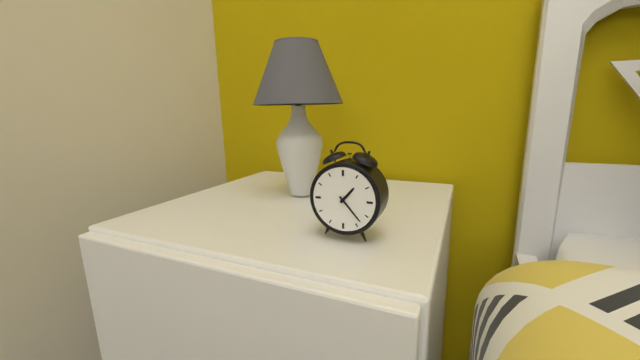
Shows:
1:23
